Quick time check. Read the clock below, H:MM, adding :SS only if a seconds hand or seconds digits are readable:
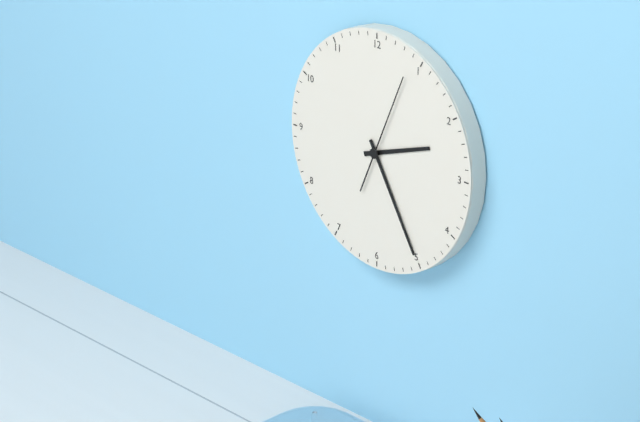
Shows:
2:25:04
